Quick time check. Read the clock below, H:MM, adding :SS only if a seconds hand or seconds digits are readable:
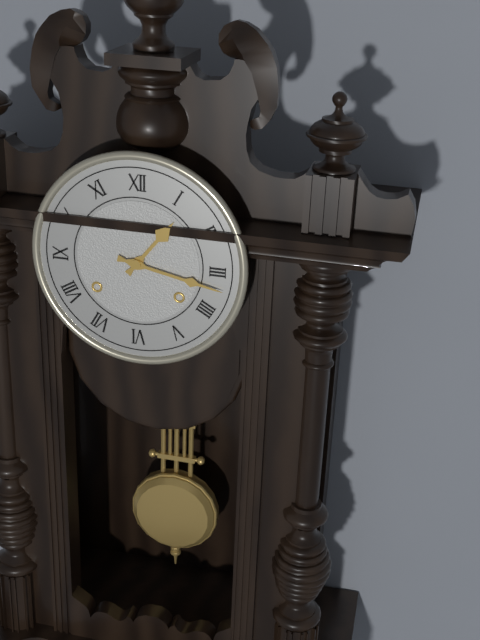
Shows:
1:17
